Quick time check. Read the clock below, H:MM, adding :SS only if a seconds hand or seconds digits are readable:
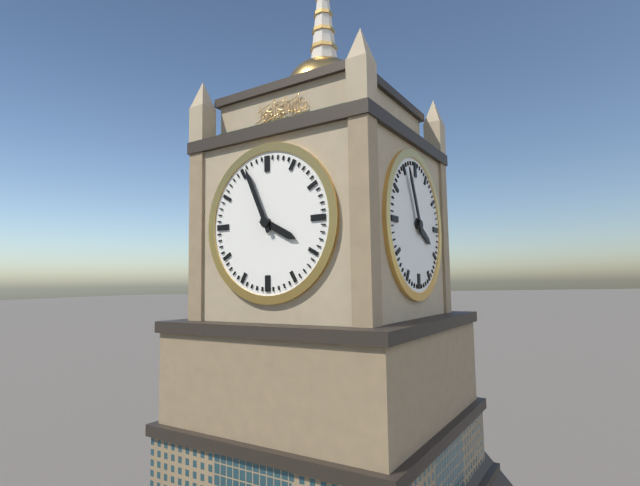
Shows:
3:56
